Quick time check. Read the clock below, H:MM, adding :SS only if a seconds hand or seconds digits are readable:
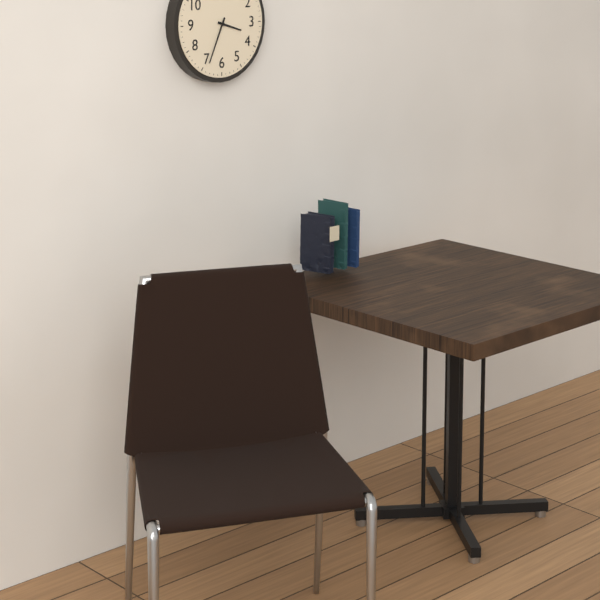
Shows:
3:34
